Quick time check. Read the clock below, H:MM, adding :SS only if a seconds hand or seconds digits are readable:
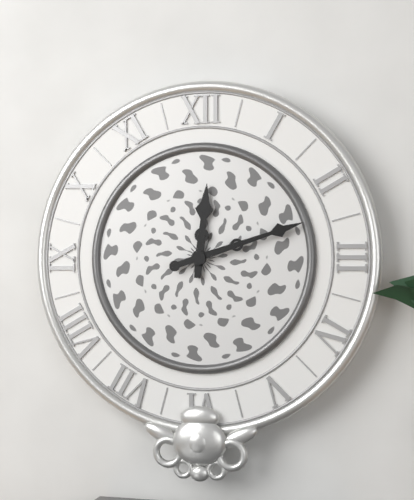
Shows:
12:12
